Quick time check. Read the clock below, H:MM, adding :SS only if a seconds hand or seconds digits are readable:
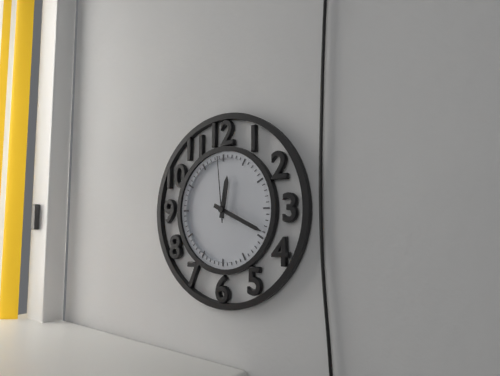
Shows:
12:19:59
